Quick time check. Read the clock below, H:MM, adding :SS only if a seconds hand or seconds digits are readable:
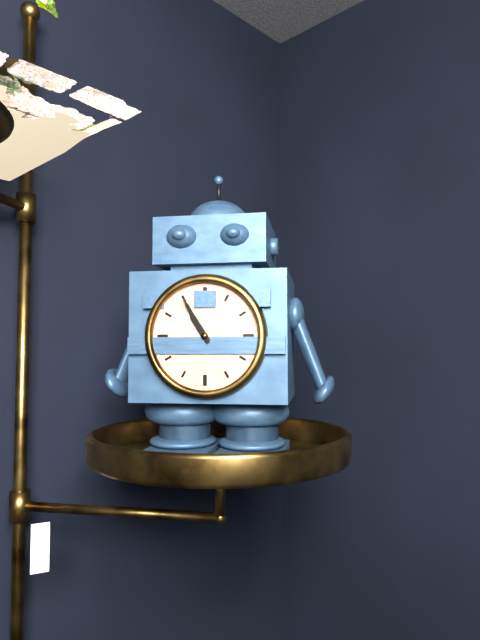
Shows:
10:55
